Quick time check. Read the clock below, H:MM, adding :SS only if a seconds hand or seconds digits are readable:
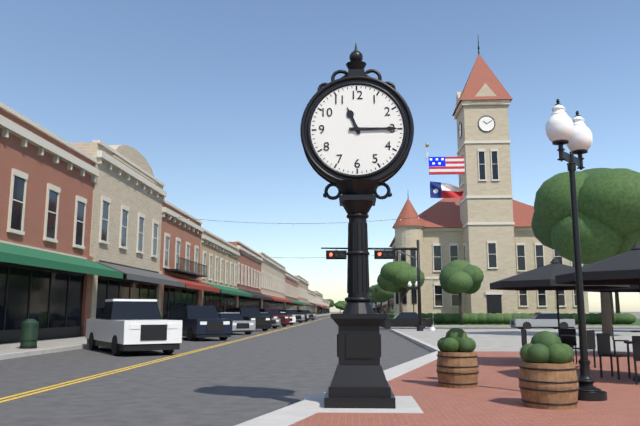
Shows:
11:15
